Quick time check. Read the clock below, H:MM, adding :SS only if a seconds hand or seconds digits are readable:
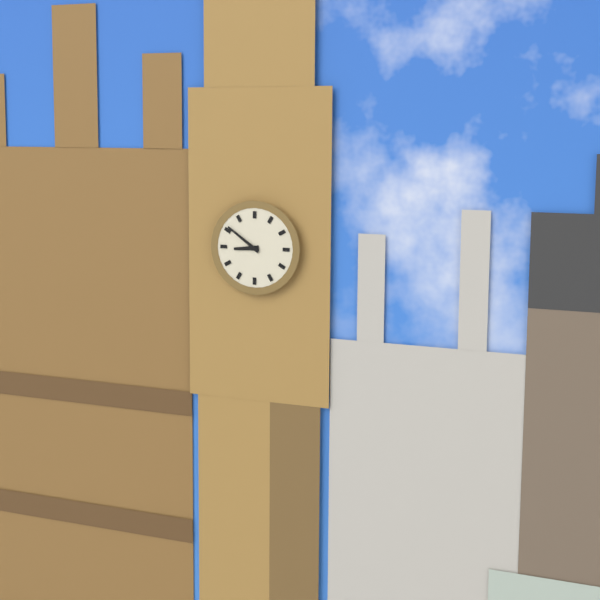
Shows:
8:51
